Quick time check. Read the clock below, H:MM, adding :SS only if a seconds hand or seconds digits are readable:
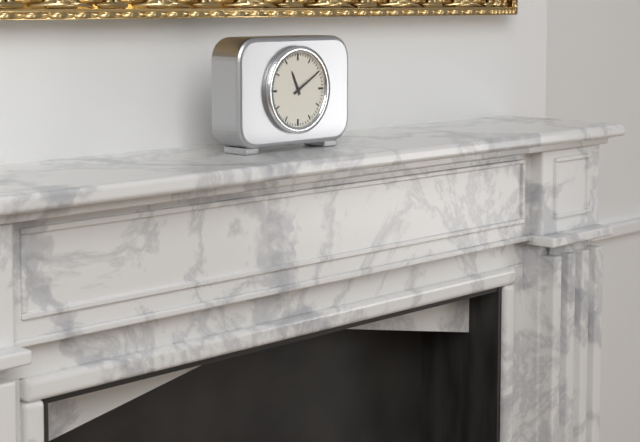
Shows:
11:10
